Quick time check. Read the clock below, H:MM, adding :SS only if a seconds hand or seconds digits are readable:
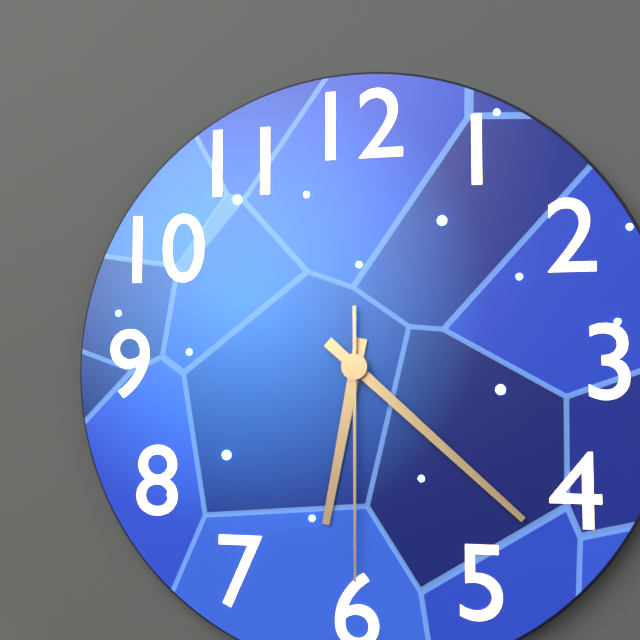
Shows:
6:22:30
